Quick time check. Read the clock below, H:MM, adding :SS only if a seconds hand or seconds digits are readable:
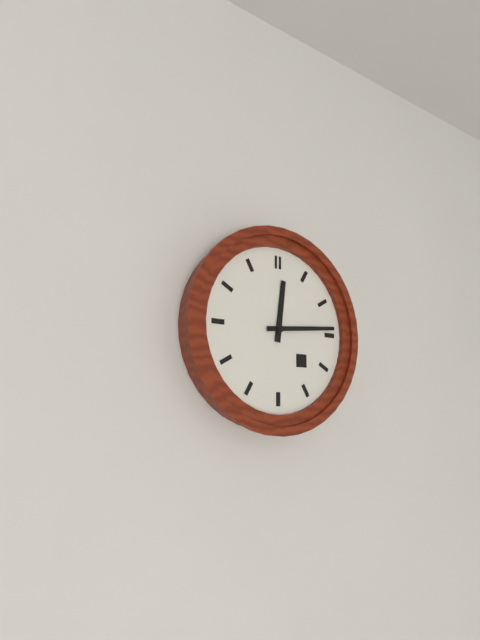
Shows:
12:14
